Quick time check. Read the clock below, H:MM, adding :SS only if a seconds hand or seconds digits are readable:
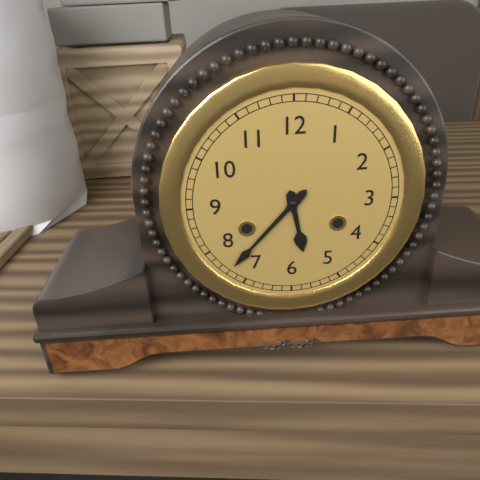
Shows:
5:37
